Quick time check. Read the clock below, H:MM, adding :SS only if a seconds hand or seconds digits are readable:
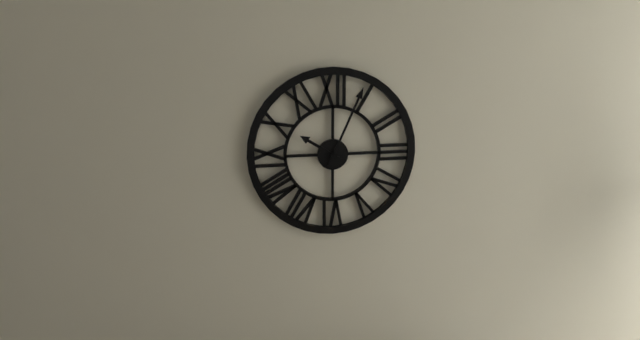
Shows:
10:04
